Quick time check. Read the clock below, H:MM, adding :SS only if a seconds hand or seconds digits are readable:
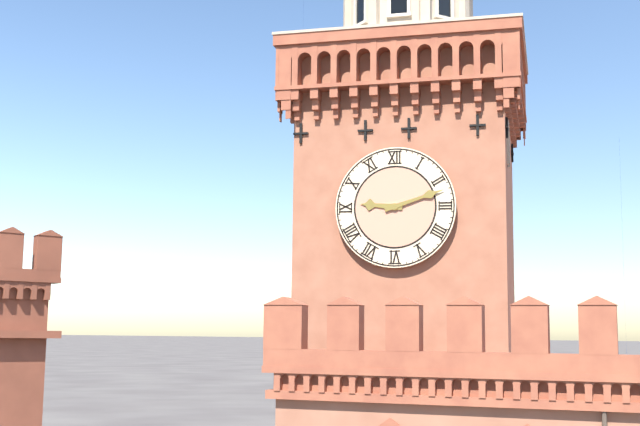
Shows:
9:12
